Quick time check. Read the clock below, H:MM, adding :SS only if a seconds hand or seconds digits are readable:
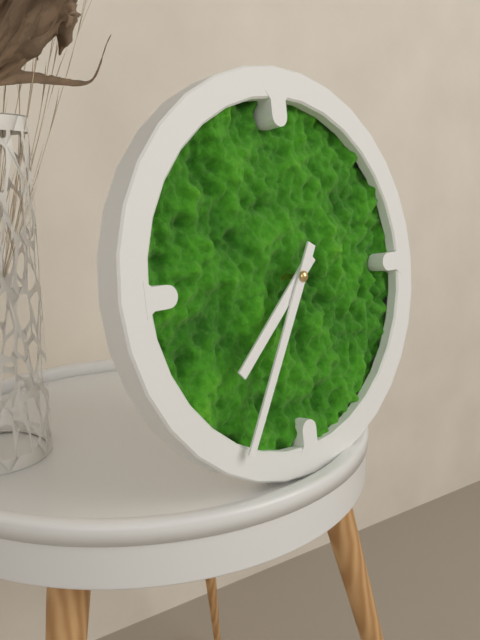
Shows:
7:35
